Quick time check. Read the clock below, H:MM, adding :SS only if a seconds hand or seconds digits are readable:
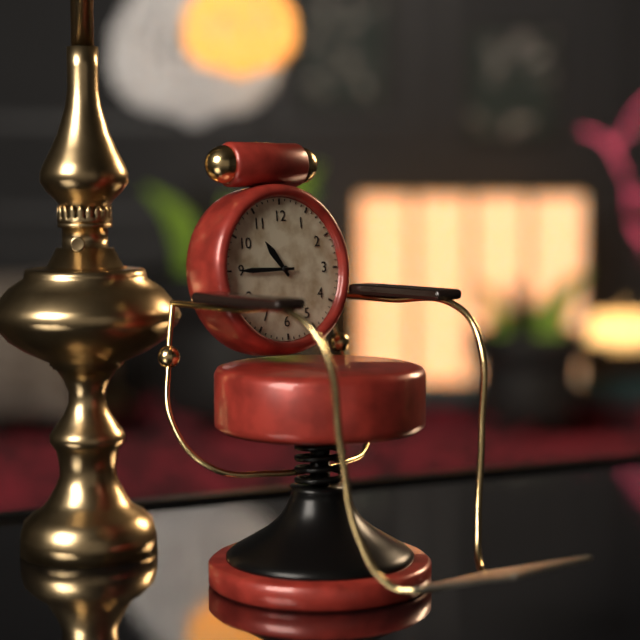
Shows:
10:45
